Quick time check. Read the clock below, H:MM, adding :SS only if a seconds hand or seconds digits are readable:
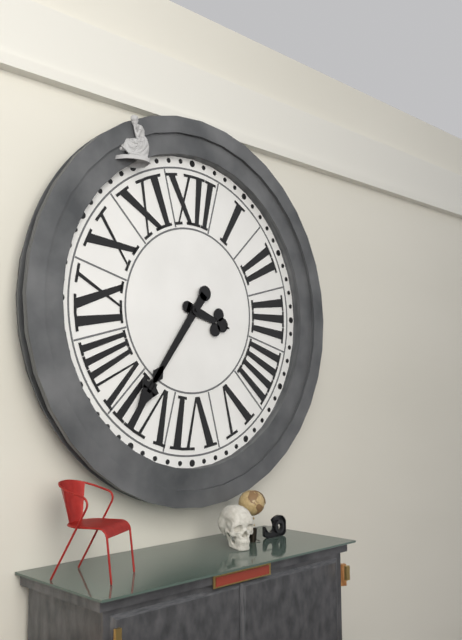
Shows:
3:36
